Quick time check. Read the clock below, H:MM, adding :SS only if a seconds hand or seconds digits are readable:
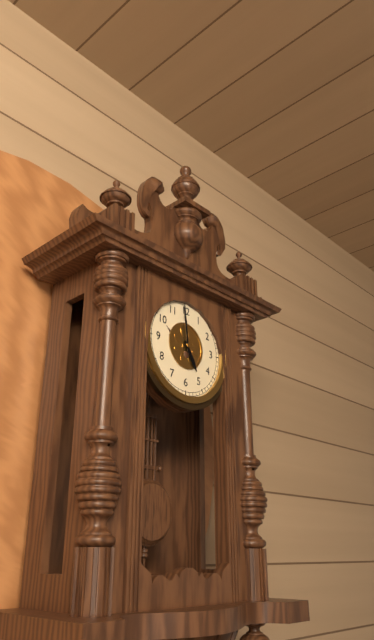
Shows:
4:59
